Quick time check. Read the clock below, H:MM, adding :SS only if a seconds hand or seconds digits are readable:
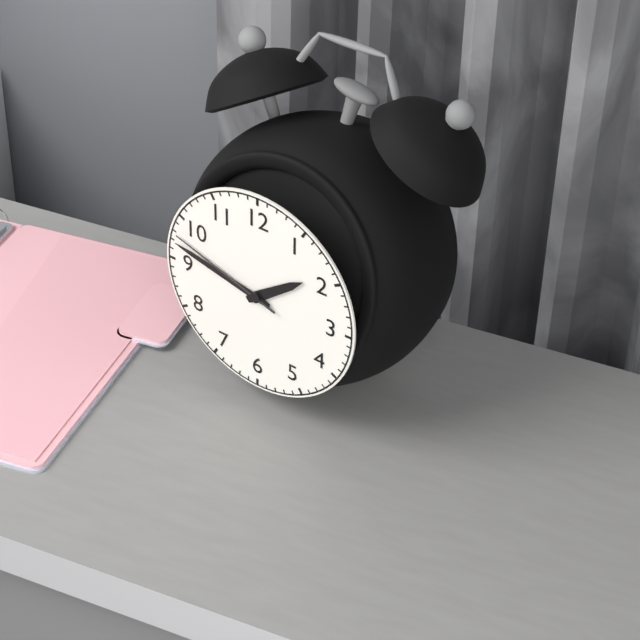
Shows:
1:47:48
